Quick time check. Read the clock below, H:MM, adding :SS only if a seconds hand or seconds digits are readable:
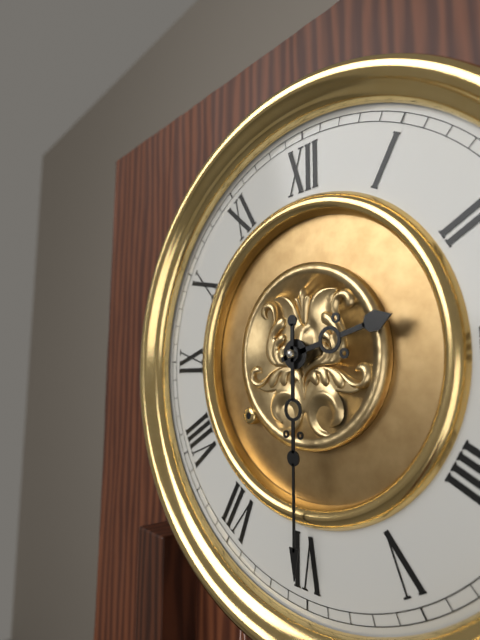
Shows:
2:30
